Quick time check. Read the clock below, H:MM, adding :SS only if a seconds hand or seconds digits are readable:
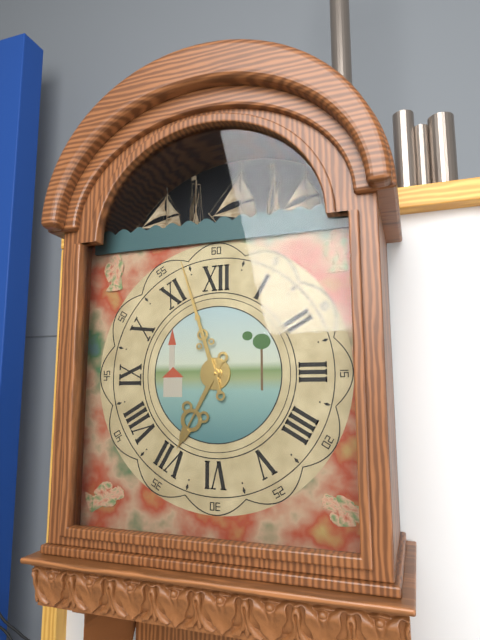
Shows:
6:57
